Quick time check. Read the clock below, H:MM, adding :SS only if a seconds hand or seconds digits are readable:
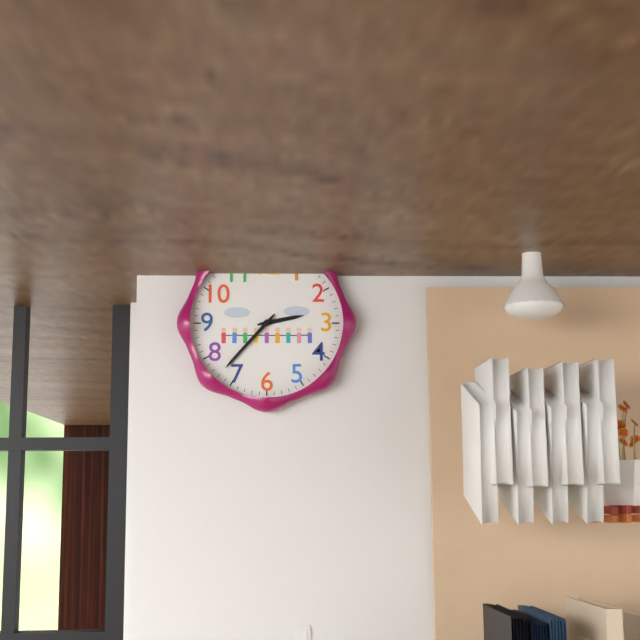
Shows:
2:37
